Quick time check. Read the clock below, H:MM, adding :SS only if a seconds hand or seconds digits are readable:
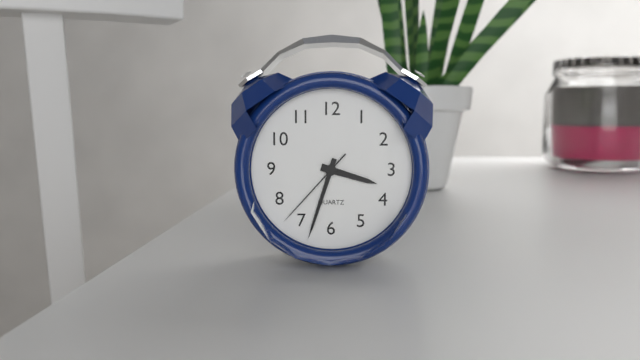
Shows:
3:33:37
